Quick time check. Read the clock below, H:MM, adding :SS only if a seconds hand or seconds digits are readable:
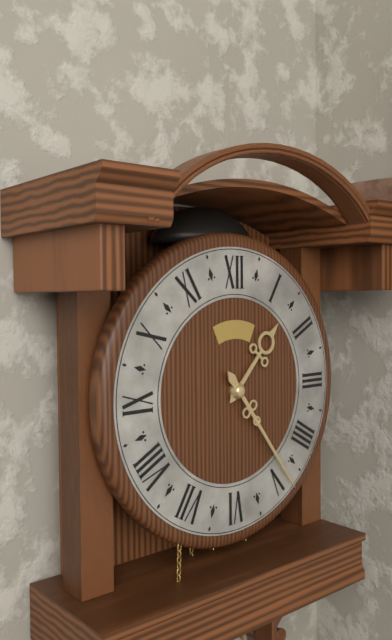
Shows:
1:24
